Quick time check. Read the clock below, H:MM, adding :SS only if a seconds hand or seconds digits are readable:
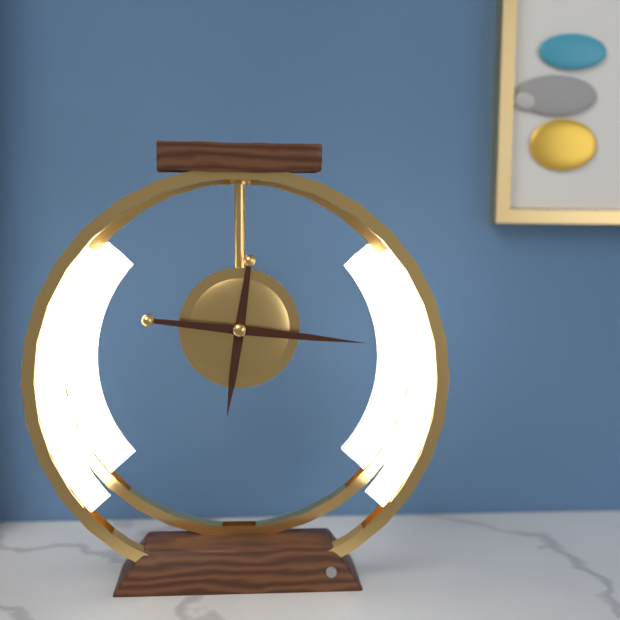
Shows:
6:16
